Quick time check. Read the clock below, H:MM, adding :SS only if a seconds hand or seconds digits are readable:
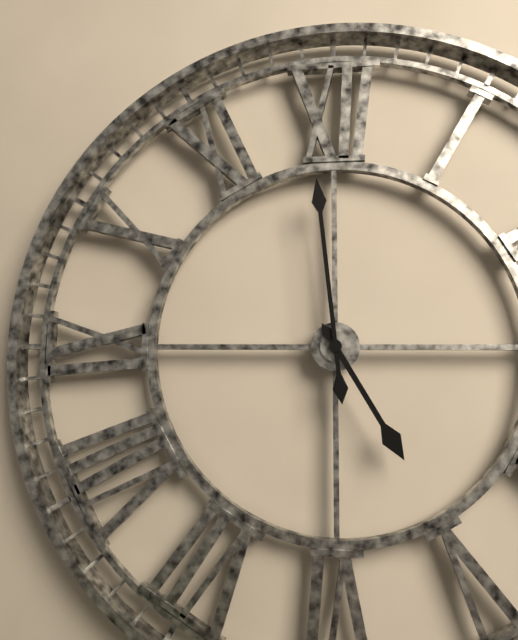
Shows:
4:59
